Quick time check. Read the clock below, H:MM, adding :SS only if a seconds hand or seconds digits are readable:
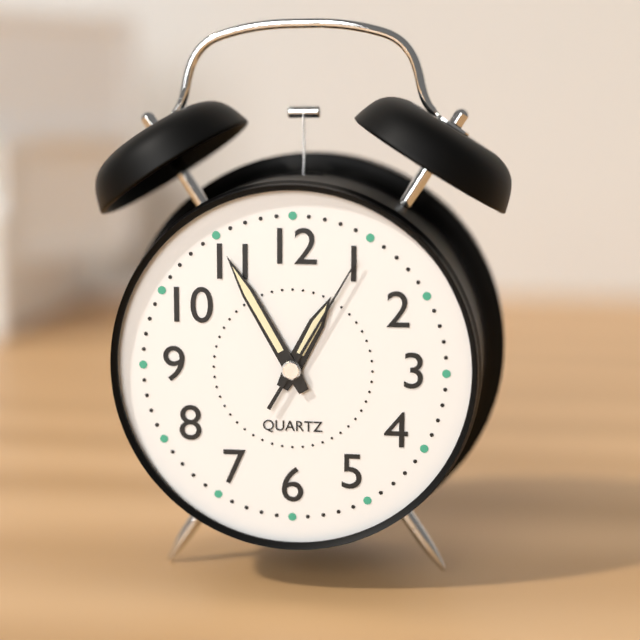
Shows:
12:55:05
